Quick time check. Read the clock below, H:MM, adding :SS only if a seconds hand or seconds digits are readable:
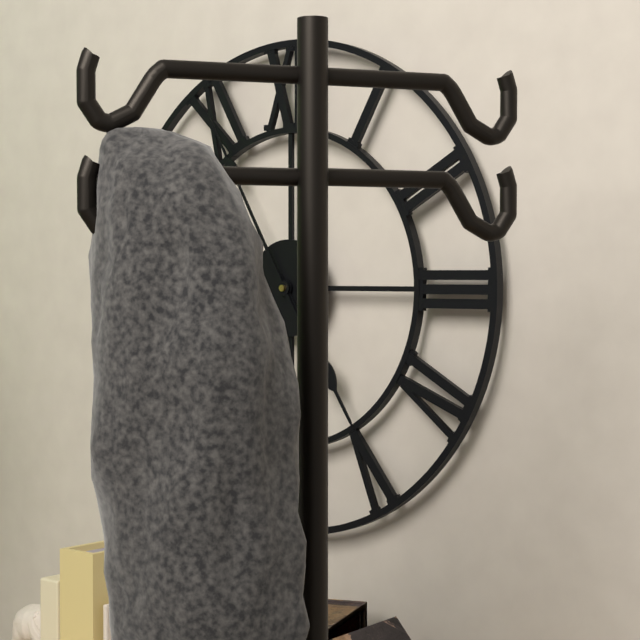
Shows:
4:55
